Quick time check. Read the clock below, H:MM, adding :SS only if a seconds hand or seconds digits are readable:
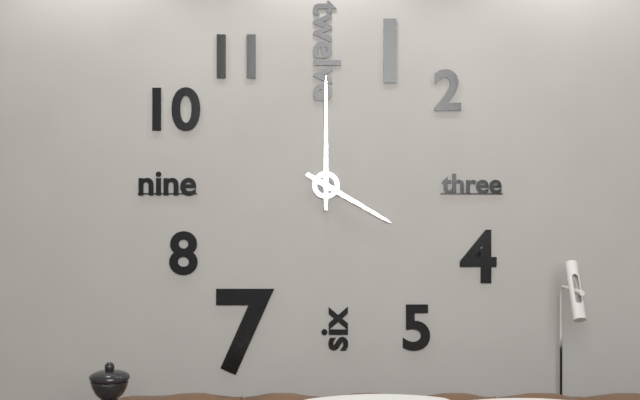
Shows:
4:00
